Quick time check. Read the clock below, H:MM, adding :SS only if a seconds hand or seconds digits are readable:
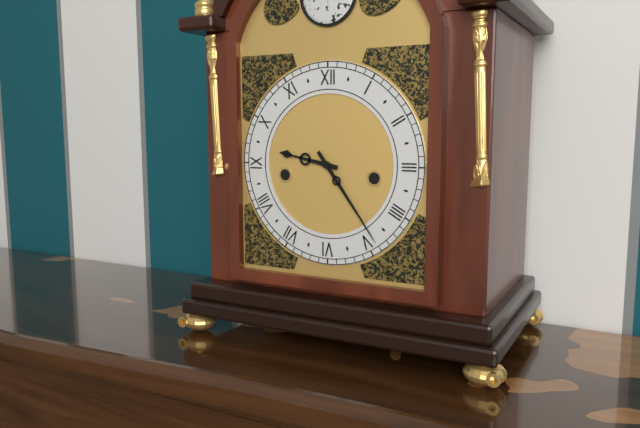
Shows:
9:24
